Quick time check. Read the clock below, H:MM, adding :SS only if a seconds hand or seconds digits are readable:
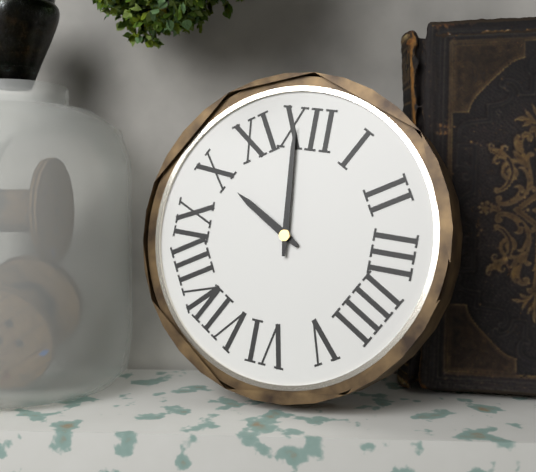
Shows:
9:59
